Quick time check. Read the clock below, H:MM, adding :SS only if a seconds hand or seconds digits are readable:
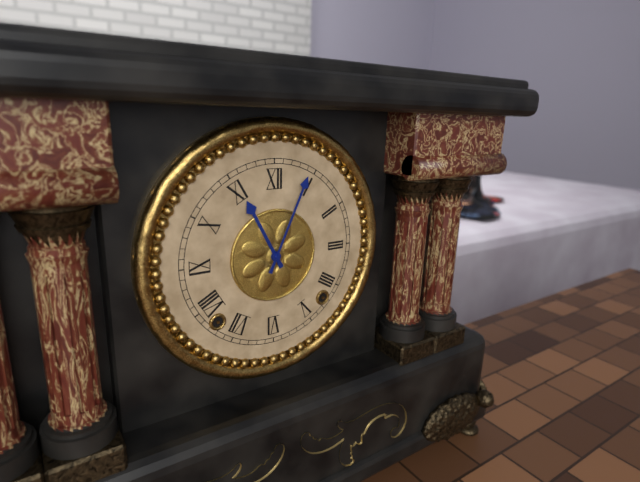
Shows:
11:04
